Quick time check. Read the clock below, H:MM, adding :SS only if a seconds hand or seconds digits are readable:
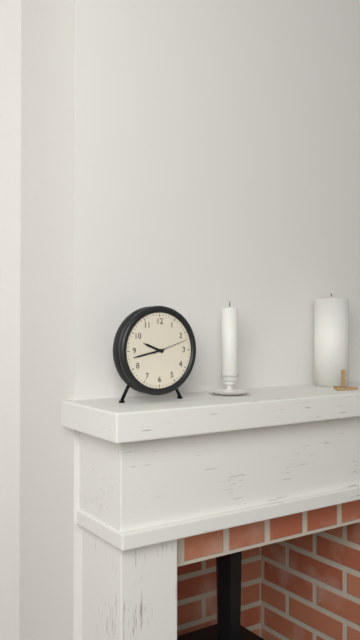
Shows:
9:43
